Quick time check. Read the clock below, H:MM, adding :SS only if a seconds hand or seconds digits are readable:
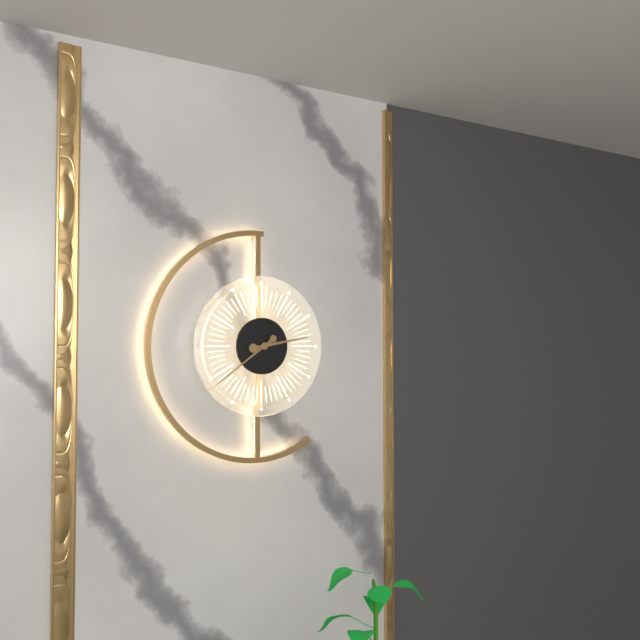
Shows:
2:39
